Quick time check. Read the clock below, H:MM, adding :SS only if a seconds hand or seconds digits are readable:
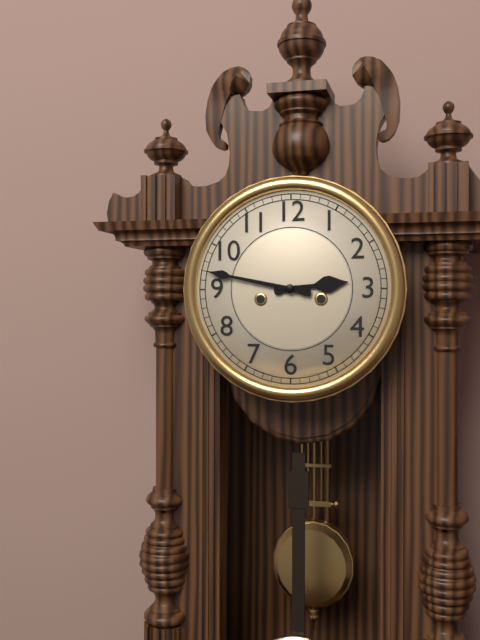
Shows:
2:47
